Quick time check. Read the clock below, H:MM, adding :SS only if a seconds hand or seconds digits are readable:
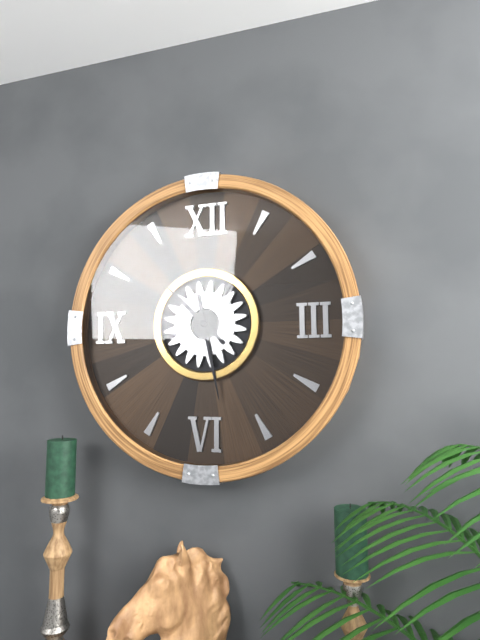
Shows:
10:28
